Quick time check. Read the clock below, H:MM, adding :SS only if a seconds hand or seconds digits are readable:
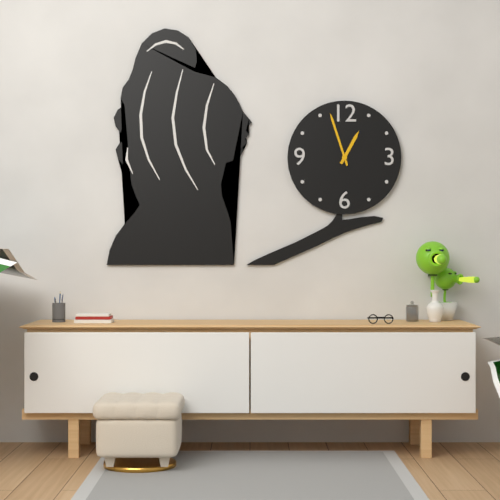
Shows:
12:57
